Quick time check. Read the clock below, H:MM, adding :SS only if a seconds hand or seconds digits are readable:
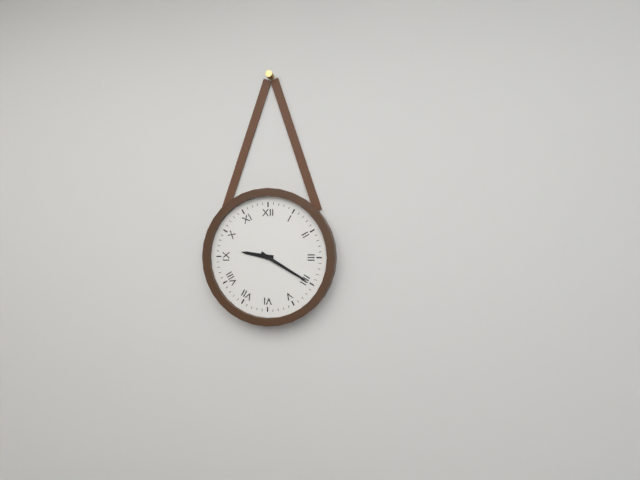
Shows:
9:20
